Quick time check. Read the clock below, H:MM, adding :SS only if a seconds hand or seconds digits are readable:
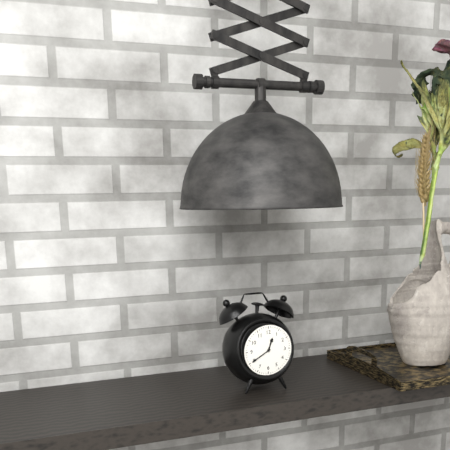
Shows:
12:40
